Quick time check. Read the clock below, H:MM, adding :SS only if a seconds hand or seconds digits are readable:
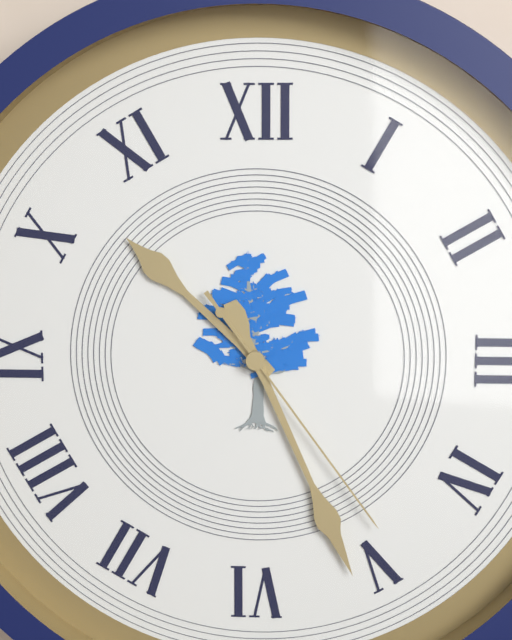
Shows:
10:26:24
